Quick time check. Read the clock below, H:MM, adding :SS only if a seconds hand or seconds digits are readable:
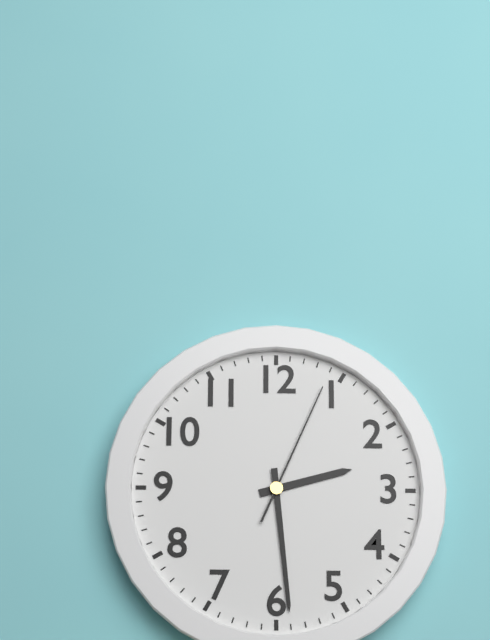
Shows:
2:29:04
